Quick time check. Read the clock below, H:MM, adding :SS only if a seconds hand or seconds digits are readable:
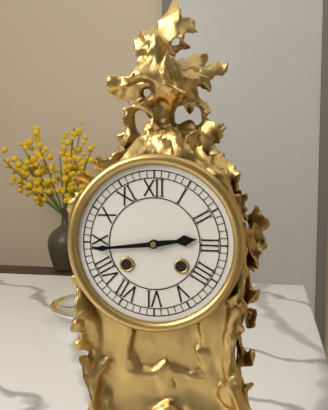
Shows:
2:44
